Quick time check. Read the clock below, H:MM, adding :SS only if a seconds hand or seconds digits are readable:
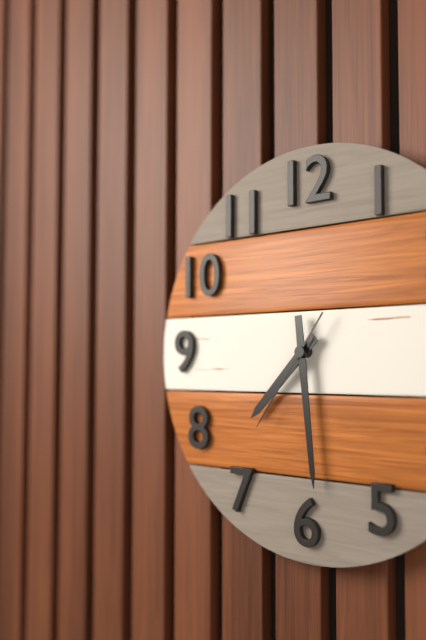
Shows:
7:29:36
